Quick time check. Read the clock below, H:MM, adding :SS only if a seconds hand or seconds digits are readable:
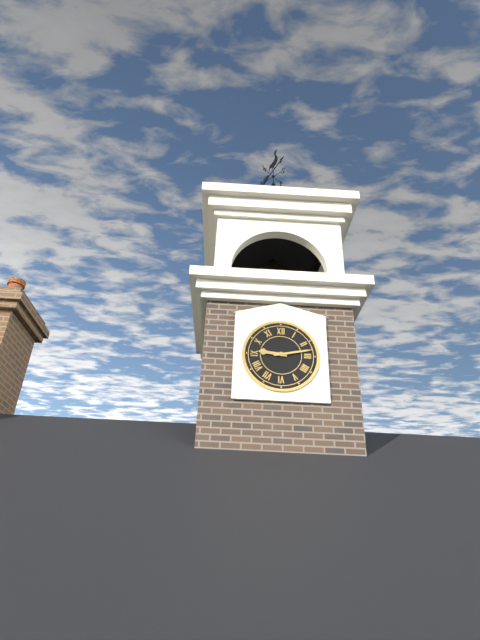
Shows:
9:13
